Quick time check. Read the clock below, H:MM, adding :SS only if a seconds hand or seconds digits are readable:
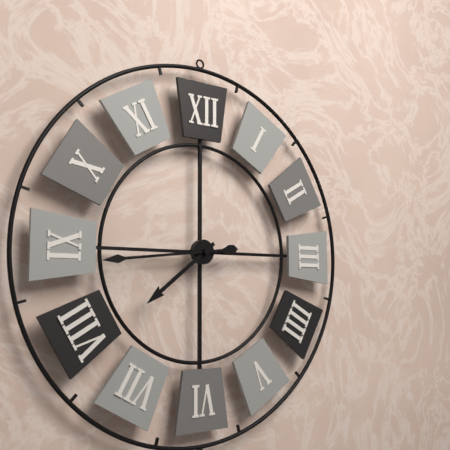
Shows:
7:44
